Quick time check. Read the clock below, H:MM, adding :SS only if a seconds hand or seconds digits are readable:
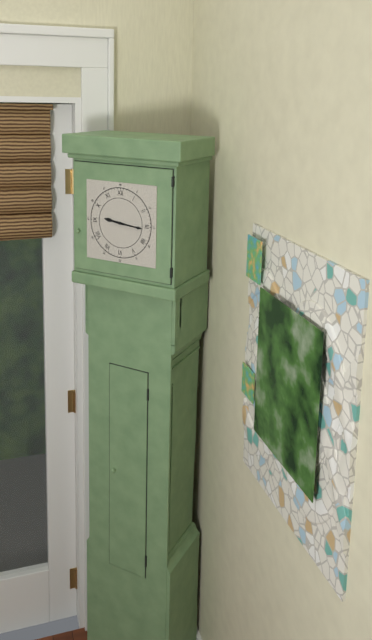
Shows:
9:16
